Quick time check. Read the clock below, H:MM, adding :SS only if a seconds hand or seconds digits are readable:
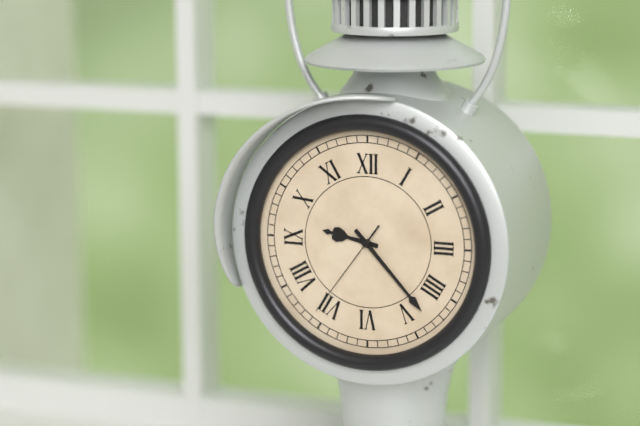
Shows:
9:23:36
